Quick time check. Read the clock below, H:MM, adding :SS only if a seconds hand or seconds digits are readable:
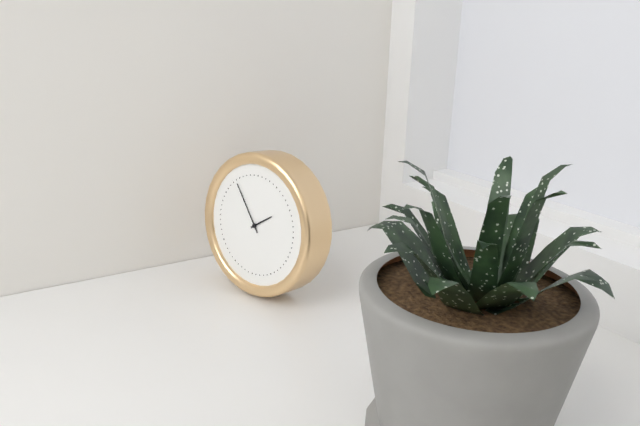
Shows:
1:54
